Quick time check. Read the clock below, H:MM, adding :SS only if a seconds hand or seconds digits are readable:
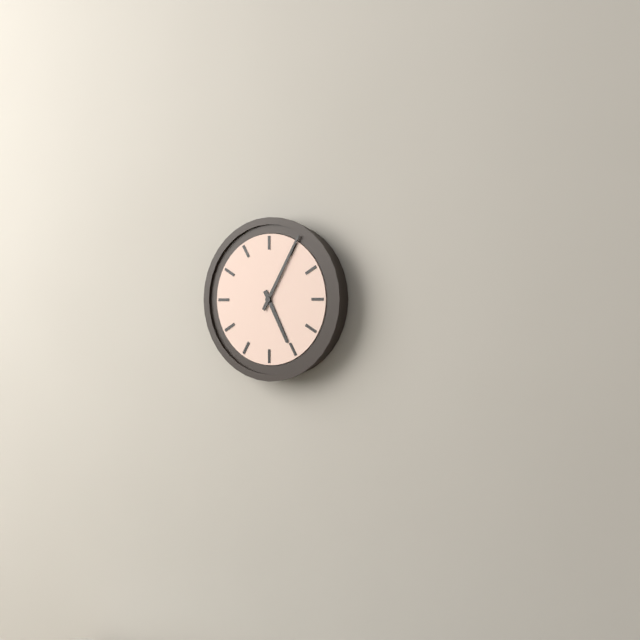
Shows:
5:05
